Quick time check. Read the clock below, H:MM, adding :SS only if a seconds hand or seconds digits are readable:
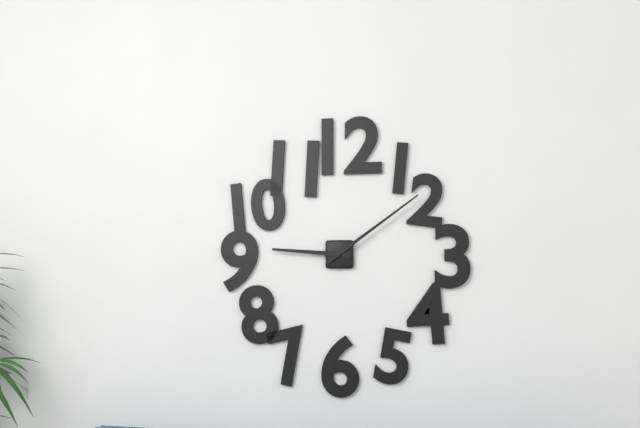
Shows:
9:09
